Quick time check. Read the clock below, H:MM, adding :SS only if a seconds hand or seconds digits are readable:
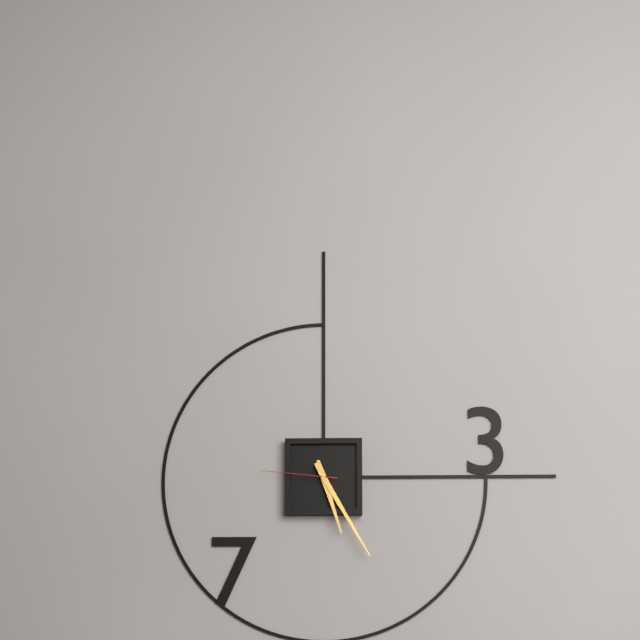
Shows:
5:25:46
